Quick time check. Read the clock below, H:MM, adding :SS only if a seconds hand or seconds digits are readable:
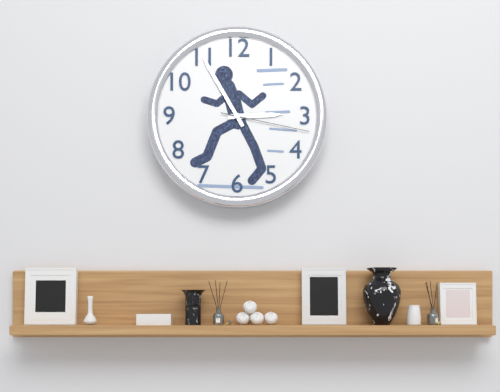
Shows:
2:55:17
